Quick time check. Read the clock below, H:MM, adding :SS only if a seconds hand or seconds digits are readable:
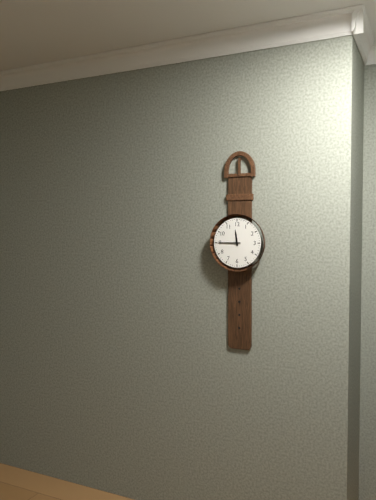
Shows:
11:45
